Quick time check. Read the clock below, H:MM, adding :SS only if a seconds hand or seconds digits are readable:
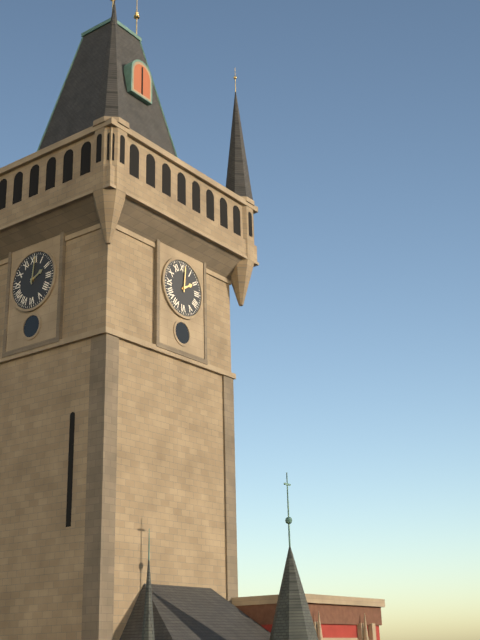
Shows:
2:01
